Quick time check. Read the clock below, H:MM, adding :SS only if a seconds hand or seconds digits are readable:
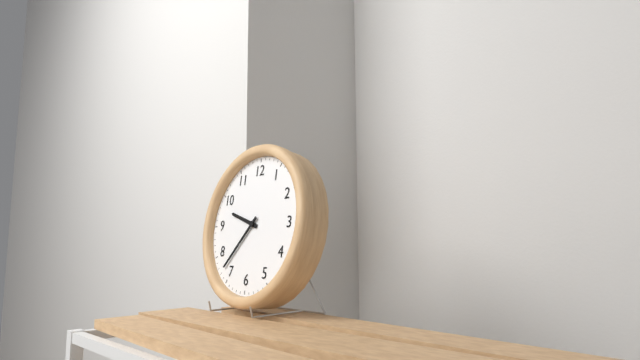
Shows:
9:37
